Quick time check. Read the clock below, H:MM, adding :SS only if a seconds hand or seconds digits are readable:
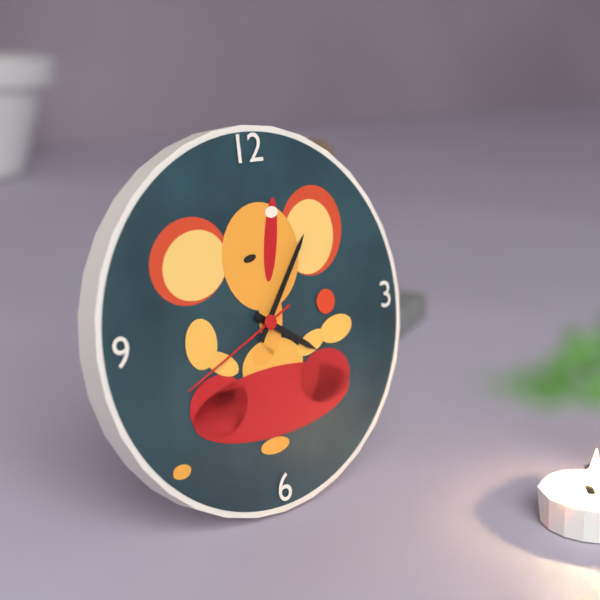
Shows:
4:06:41
